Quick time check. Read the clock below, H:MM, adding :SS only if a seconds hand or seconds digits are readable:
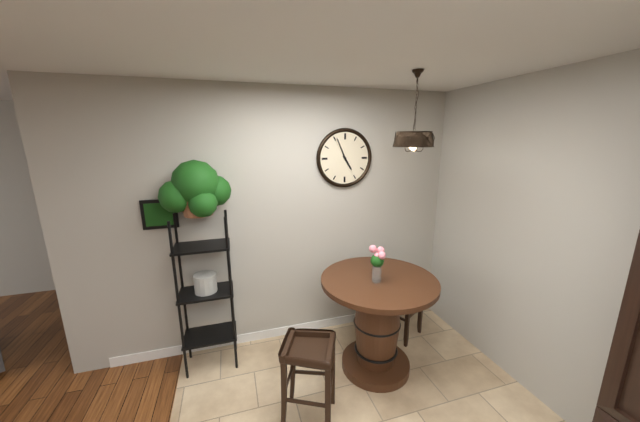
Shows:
4:56
